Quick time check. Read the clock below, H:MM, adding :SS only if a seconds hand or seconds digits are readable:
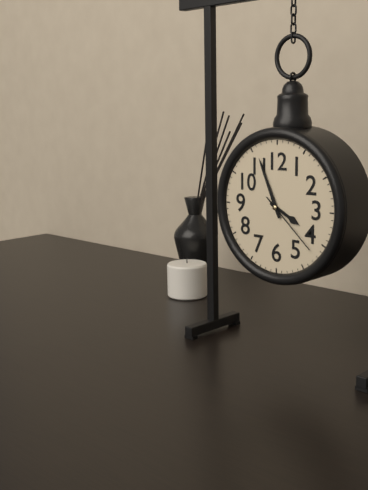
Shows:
3:56:22
